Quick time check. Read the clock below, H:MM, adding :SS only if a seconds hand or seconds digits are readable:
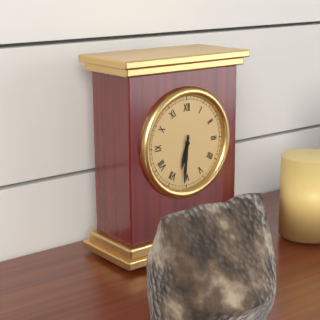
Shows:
6:31
